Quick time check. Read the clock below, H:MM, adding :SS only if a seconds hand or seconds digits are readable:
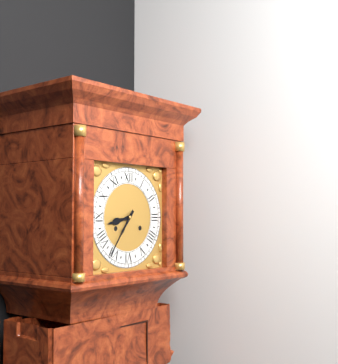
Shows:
8:36
